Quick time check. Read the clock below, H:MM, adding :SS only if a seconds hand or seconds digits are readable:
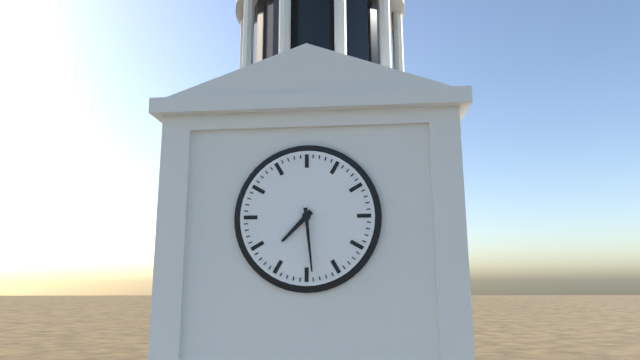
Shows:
7:29
